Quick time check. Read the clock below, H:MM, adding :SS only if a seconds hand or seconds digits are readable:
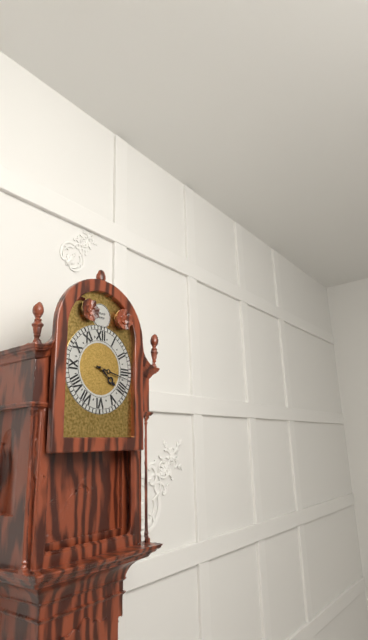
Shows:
4:17
